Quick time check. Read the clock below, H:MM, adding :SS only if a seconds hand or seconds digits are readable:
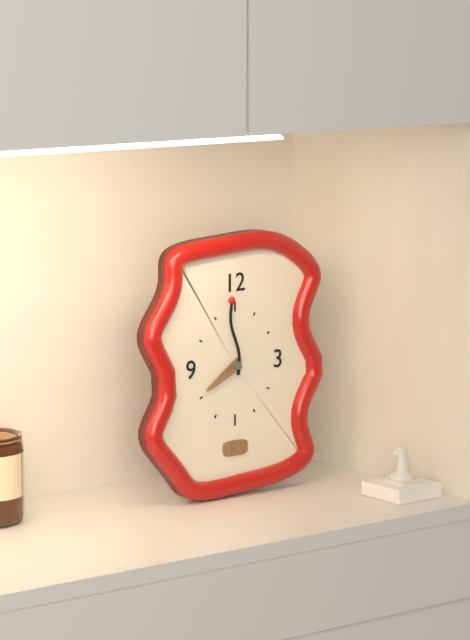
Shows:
7:59
